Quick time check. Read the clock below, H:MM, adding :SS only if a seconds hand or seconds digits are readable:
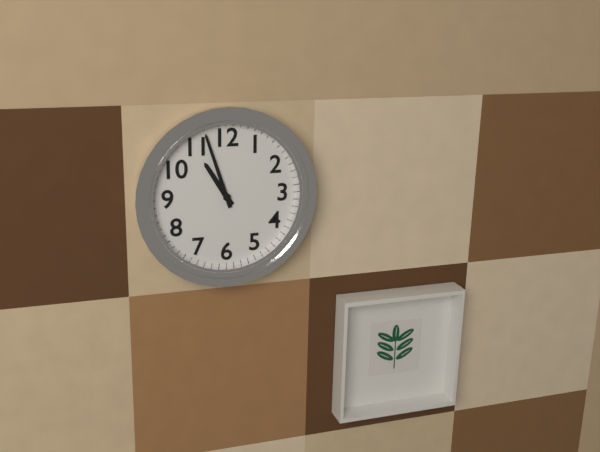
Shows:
10:57
